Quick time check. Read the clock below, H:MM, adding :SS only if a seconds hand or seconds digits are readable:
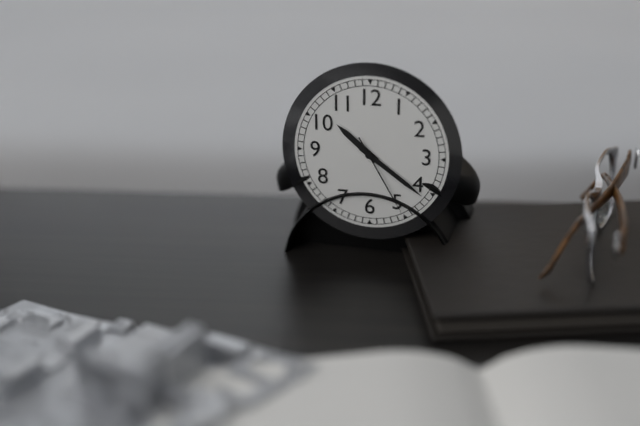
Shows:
10:21:25
